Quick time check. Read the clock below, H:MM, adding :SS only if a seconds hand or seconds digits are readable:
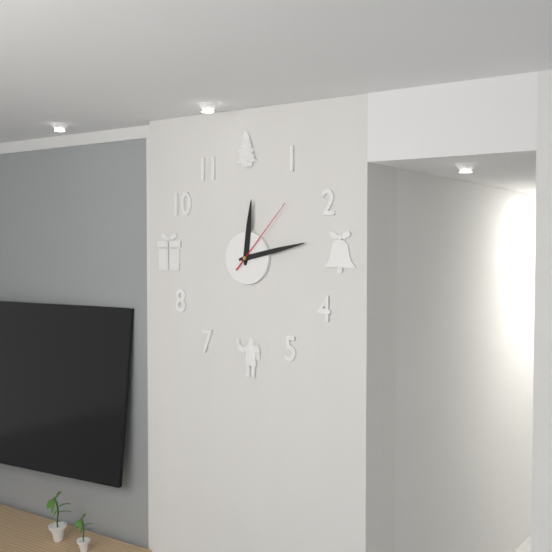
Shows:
12:13:07
